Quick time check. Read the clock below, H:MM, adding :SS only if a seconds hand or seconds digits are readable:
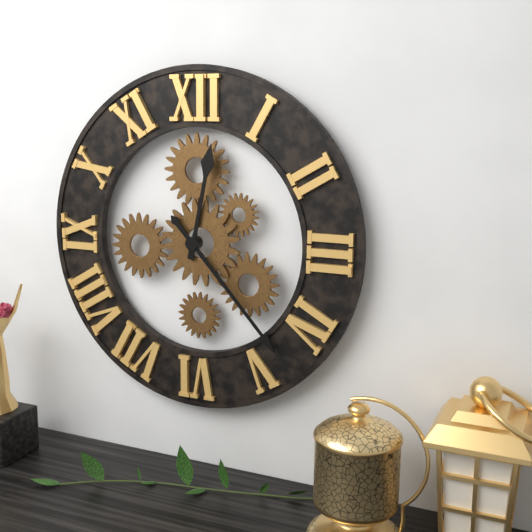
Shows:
12:23
